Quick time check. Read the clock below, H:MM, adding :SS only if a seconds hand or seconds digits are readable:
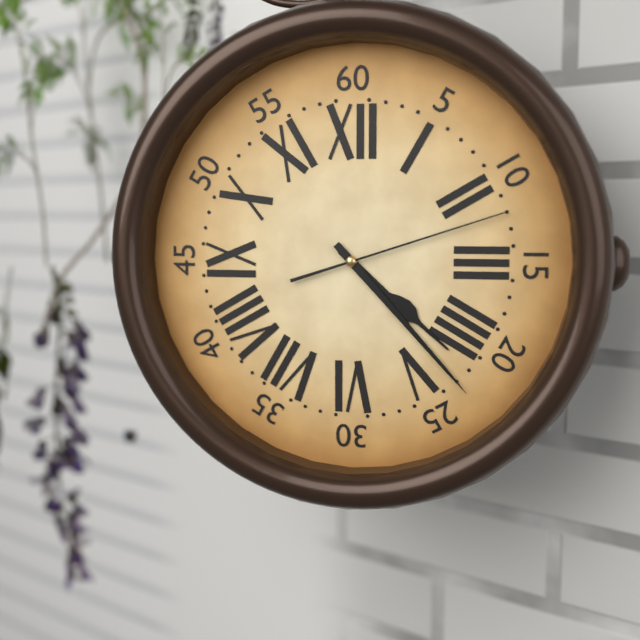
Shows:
4:23:12
